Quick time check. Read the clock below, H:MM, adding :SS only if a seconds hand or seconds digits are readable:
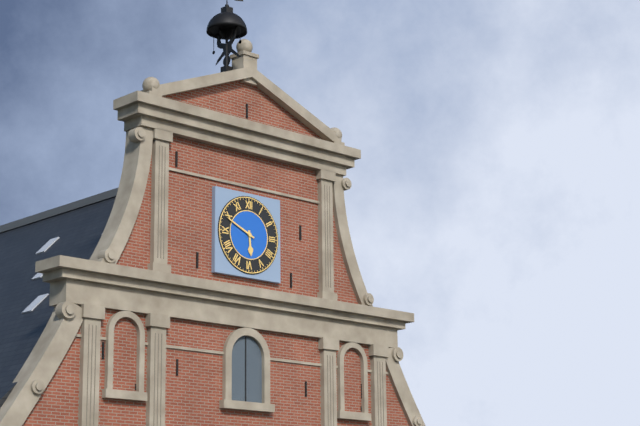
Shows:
5:49
